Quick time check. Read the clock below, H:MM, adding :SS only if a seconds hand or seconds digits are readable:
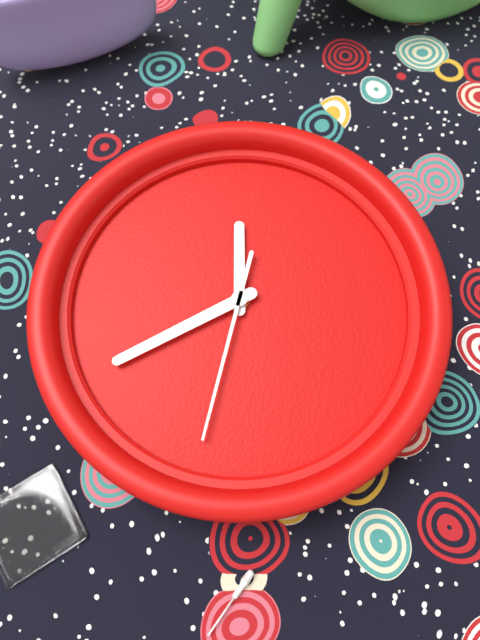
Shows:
12:44:36
